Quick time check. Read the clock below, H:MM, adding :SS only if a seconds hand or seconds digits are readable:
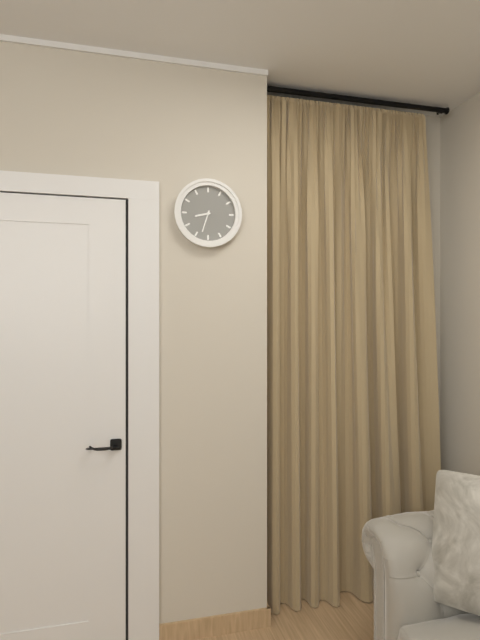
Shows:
8:33
